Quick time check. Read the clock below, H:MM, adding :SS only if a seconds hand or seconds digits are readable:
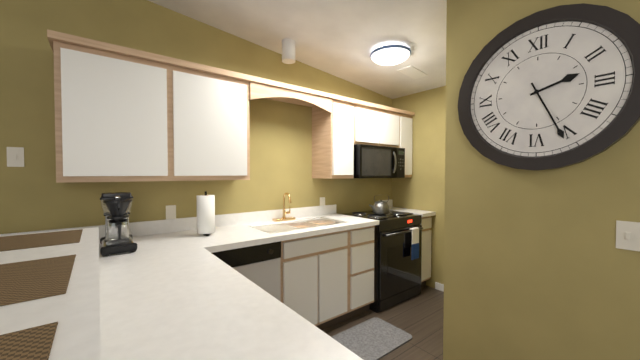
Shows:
2:26
